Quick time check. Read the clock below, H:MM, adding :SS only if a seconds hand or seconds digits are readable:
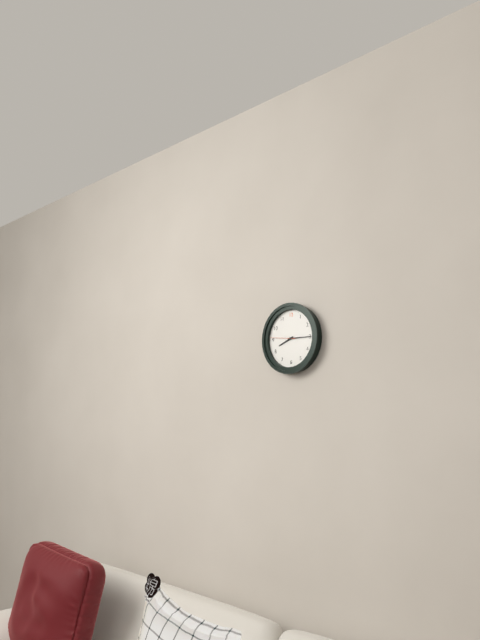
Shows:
8:15
